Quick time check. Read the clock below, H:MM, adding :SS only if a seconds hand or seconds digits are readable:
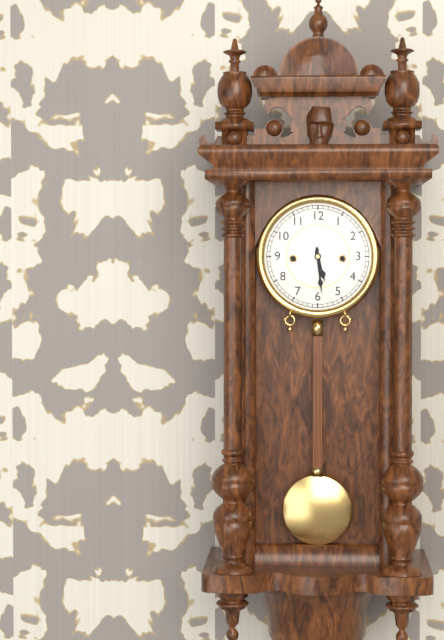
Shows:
5:29
